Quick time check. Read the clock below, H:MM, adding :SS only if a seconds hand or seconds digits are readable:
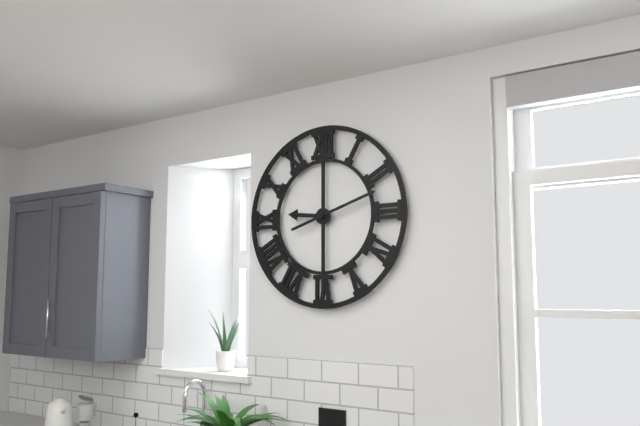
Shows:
9:12
